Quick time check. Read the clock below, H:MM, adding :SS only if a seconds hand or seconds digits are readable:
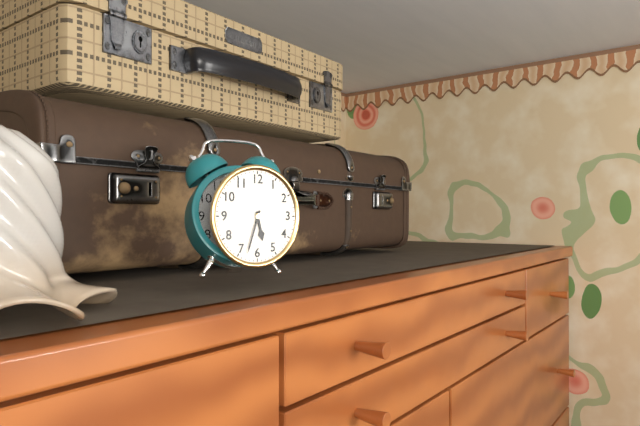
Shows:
5:33
